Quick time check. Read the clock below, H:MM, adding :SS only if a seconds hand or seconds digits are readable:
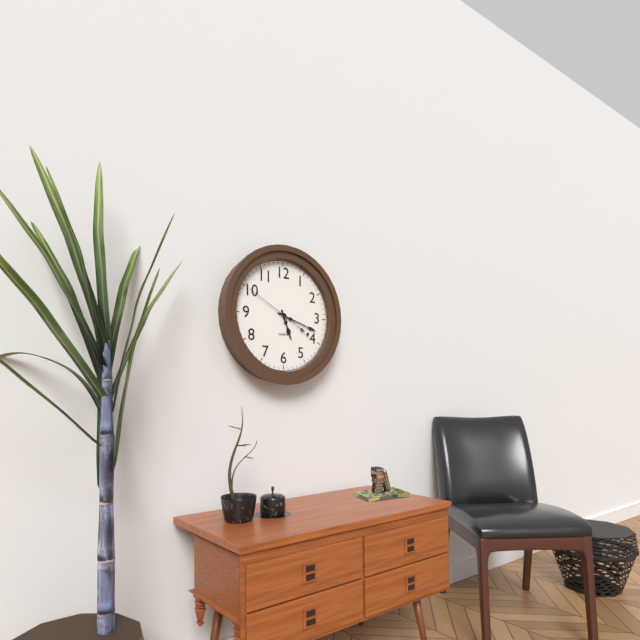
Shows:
5:18:50
